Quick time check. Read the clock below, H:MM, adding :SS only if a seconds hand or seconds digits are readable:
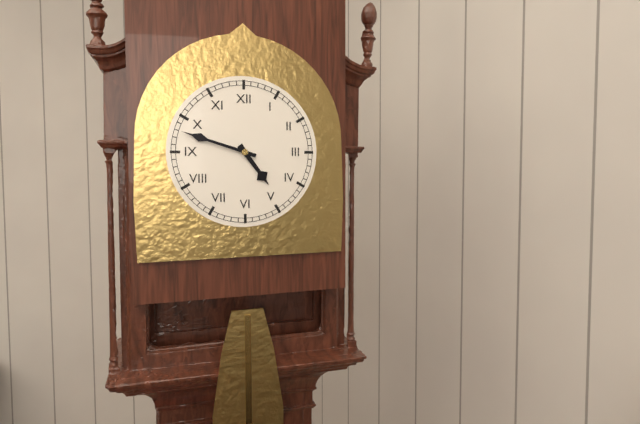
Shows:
4:48
